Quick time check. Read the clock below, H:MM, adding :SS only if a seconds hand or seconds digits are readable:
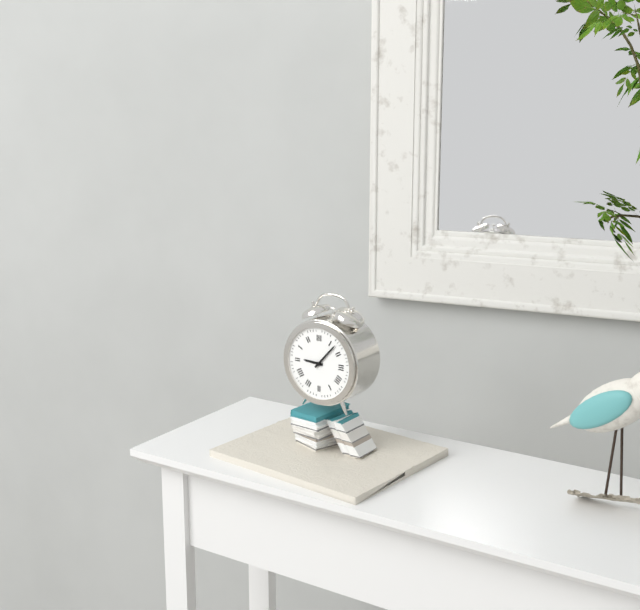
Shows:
9:07
